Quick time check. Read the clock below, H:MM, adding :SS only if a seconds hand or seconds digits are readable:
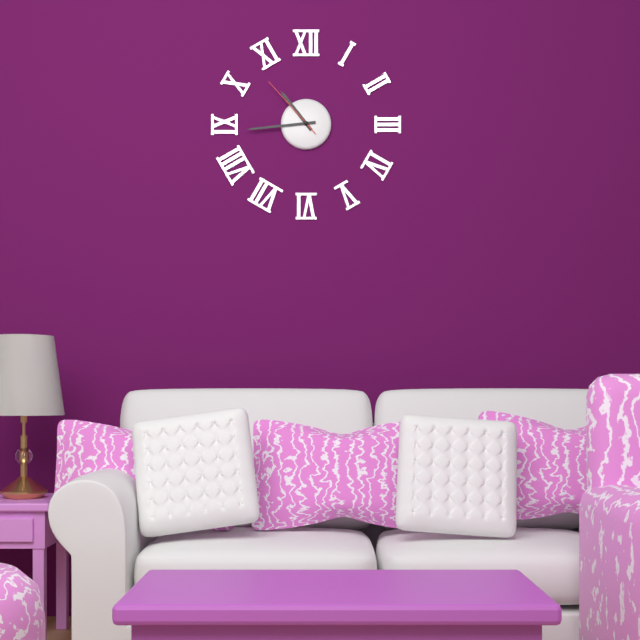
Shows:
10:44:53
